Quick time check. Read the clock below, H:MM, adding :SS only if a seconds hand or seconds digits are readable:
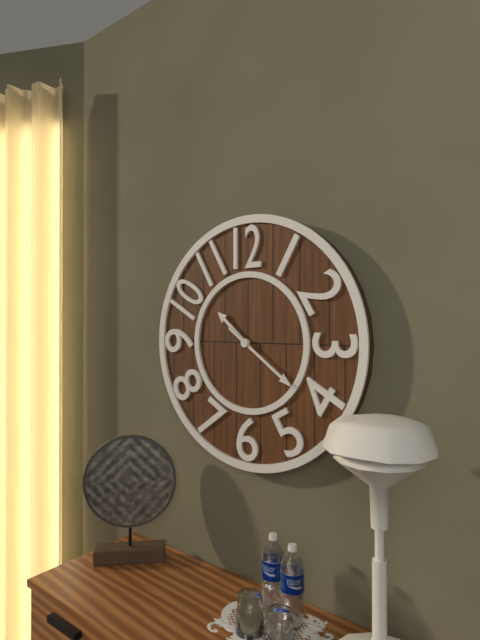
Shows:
10:21
